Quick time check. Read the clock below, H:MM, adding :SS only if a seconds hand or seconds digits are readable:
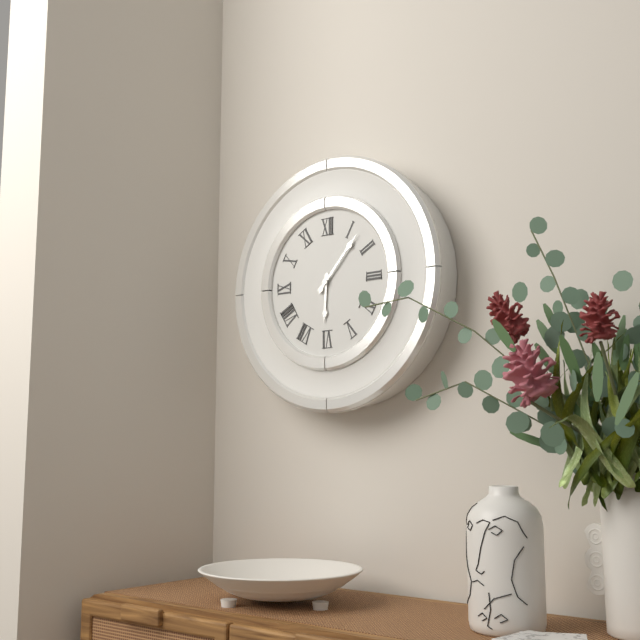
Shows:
6:07
